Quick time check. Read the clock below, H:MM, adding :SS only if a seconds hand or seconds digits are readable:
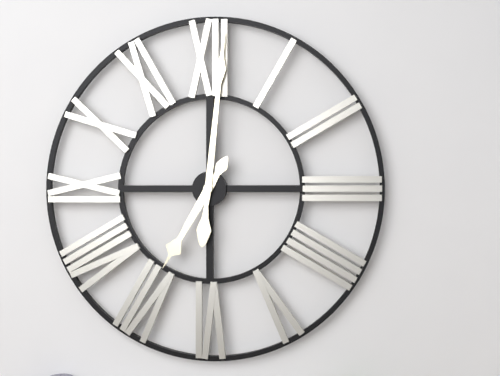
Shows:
7:01
